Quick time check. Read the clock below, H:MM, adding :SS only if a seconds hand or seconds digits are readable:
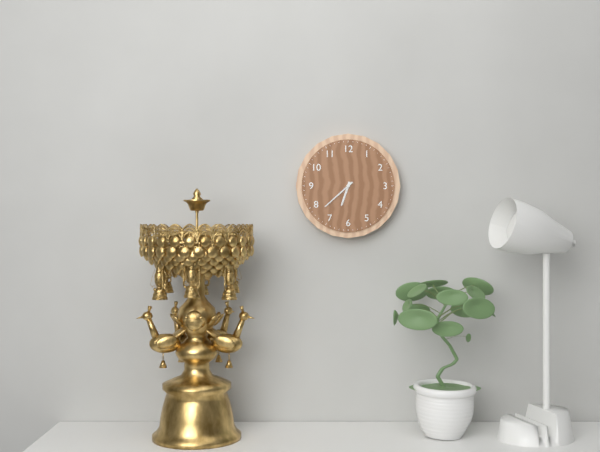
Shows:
6:38
